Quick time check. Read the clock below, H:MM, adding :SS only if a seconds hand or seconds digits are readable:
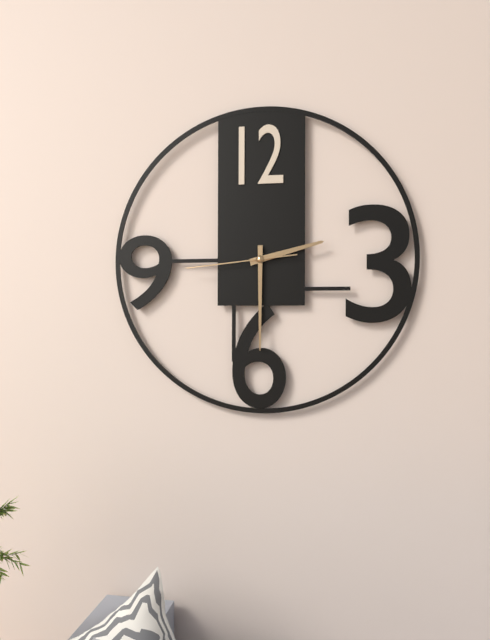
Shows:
2:30:44
